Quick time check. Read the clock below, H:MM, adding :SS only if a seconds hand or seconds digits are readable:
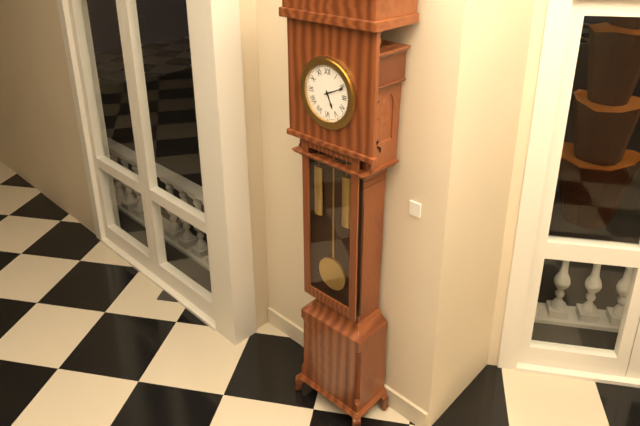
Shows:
5:11
